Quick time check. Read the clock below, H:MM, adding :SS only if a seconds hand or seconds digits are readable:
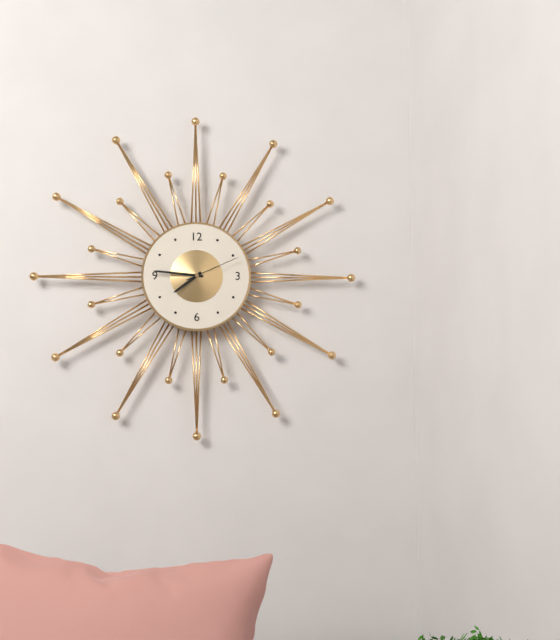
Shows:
7:46:11
